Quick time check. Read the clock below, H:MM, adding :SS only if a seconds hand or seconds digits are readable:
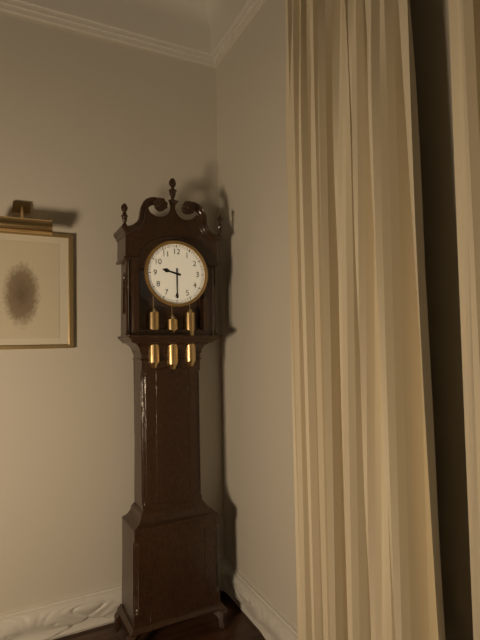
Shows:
9:30
